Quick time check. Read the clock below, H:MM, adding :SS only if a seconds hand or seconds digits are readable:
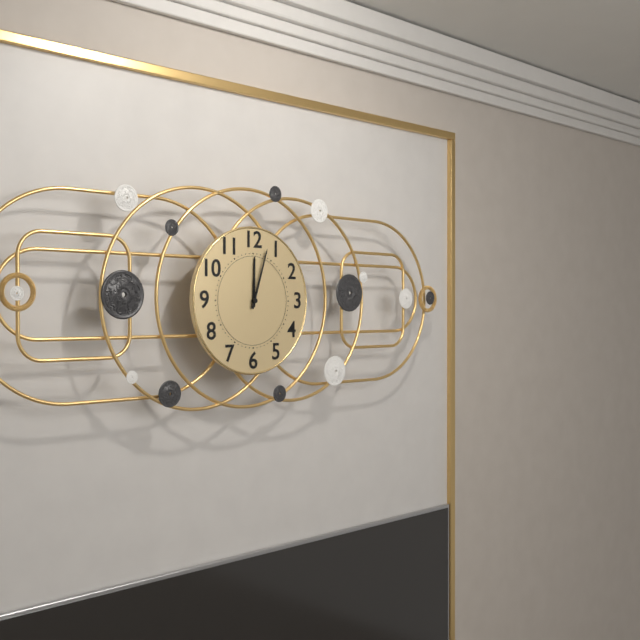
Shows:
12:03
